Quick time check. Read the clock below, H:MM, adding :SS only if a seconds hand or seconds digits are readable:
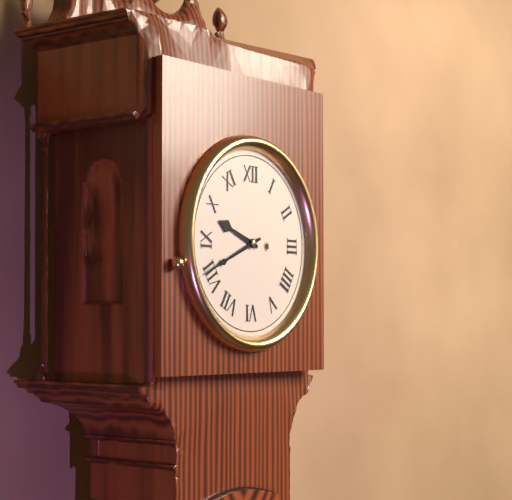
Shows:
9:41
